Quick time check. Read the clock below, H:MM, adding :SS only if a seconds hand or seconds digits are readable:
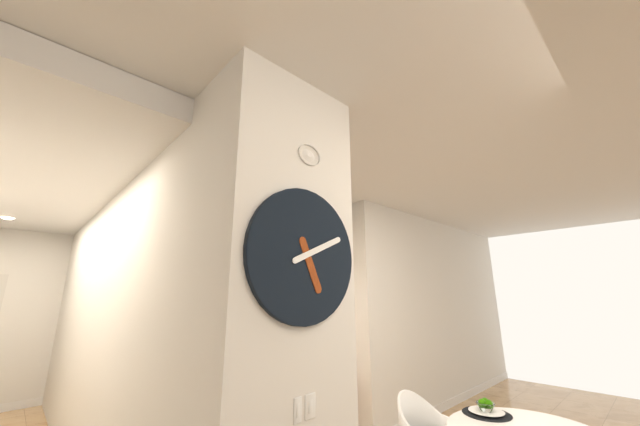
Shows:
5:11
